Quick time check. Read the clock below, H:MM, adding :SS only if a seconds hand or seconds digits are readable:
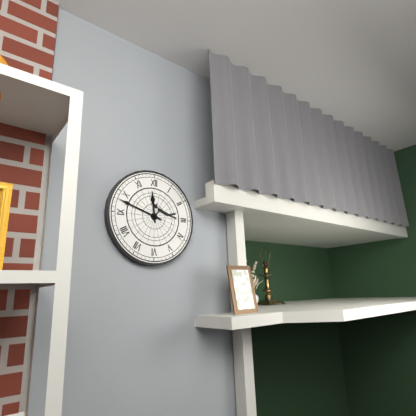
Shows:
11:48
